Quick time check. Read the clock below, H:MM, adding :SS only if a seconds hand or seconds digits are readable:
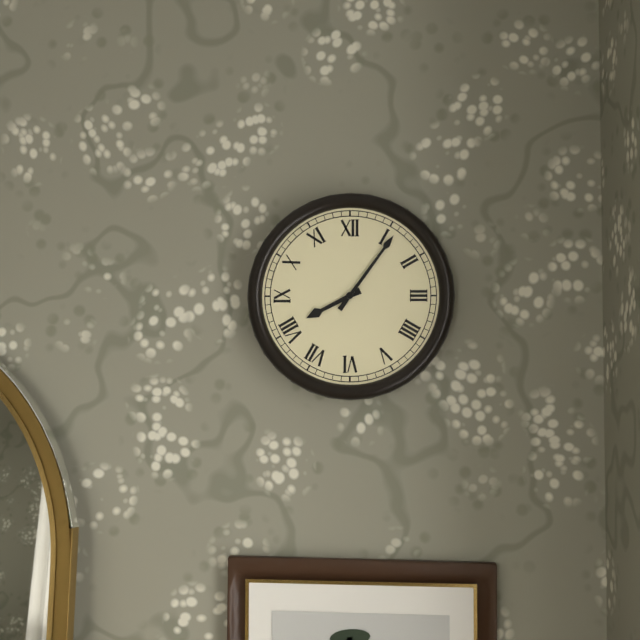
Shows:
8:06
